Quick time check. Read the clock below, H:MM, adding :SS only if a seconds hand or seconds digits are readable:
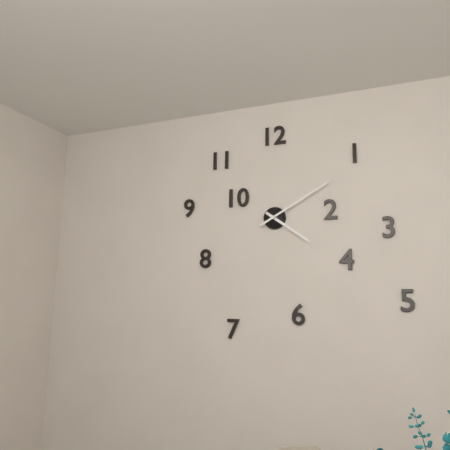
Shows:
4:10
